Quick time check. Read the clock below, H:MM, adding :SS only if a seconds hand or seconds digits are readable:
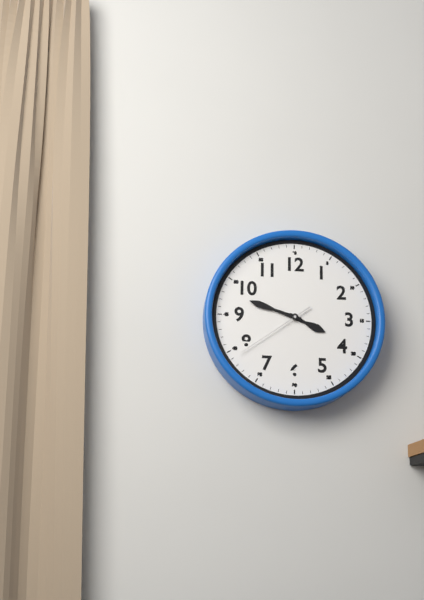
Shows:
3:48:39
